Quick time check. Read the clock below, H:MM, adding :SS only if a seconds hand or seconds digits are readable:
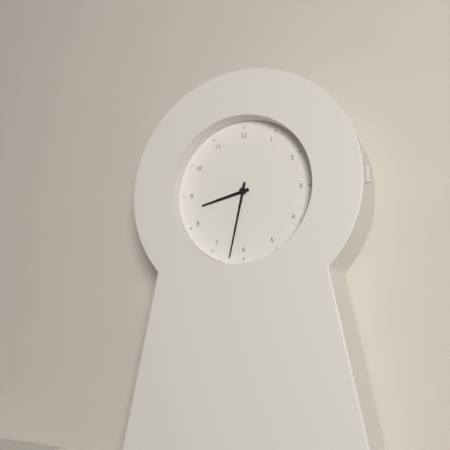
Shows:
8:32
